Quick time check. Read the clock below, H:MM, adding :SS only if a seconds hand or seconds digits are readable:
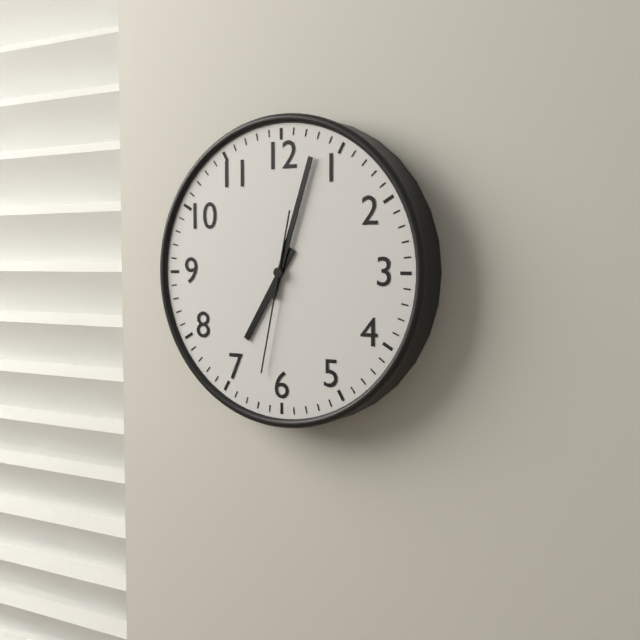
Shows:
7:03:32
